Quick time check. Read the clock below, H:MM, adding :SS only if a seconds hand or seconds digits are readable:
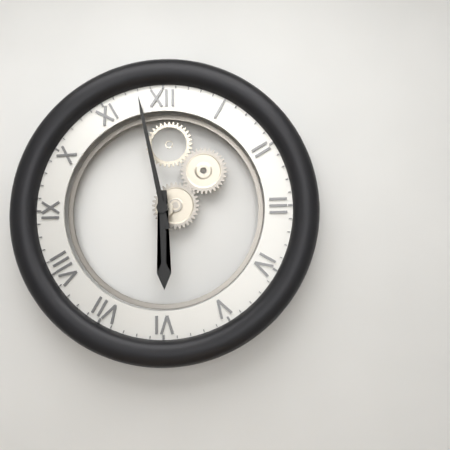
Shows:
5:58
